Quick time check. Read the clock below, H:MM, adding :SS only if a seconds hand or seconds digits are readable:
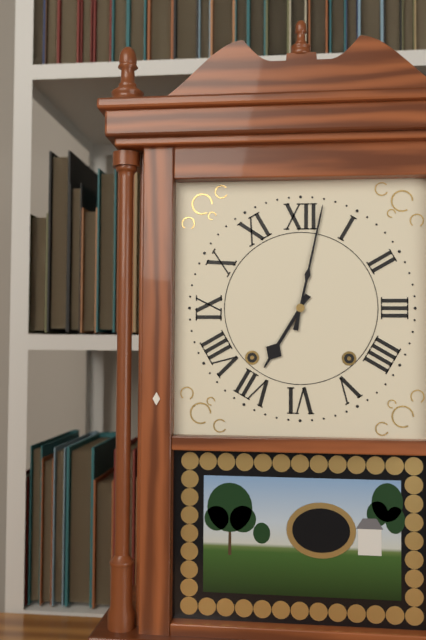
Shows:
7:02
